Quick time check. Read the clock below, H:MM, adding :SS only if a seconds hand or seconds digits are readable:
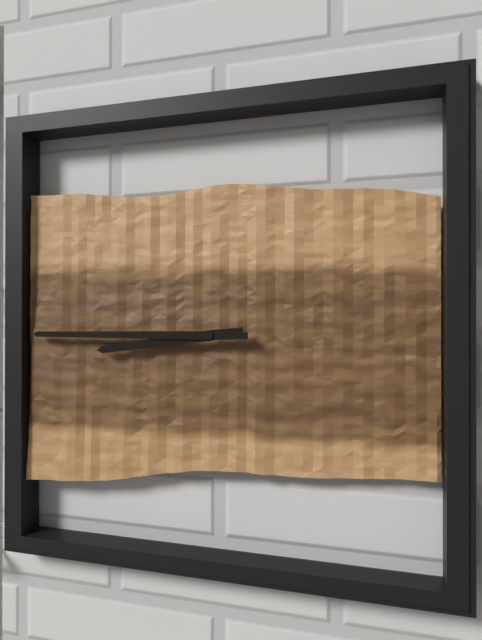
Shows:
8:45
